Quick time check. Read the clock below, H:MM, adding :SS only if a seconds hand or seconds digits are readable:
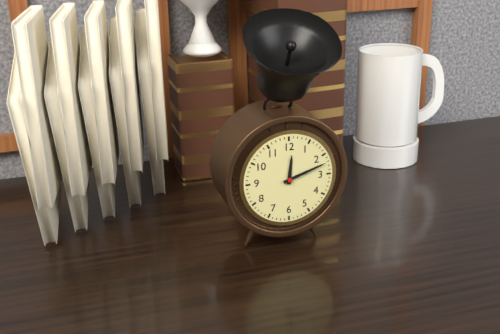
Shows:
12:12
